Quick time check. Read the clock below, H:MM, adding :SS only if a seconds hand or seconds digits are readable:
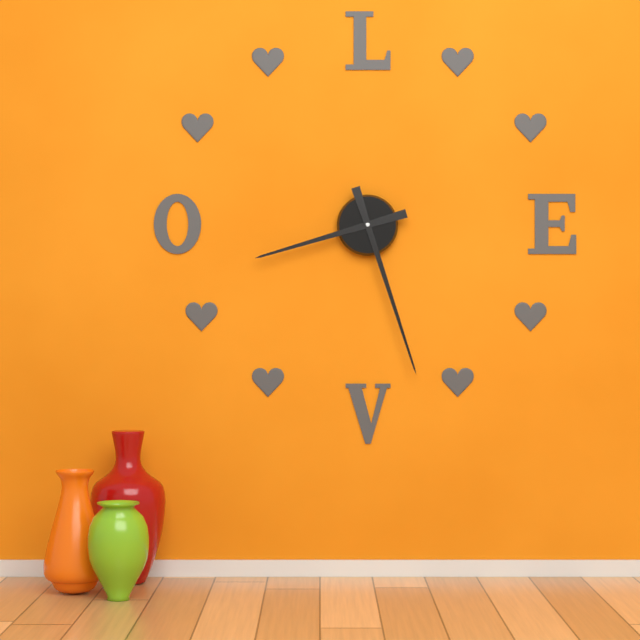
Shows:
8:27
